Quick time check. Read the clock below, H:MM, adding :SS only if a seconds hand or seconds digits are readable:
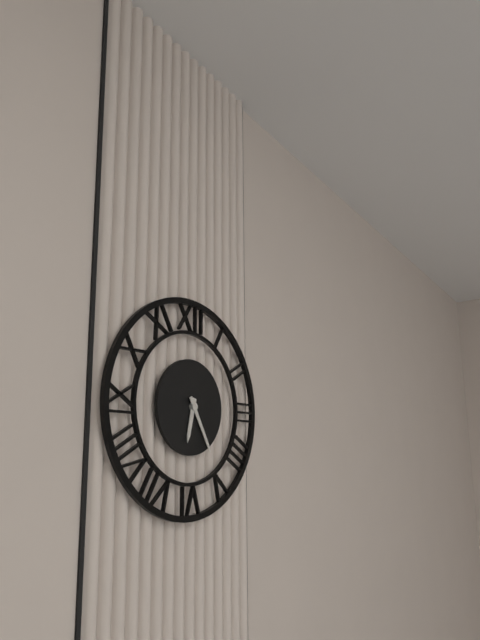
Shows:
6:25
